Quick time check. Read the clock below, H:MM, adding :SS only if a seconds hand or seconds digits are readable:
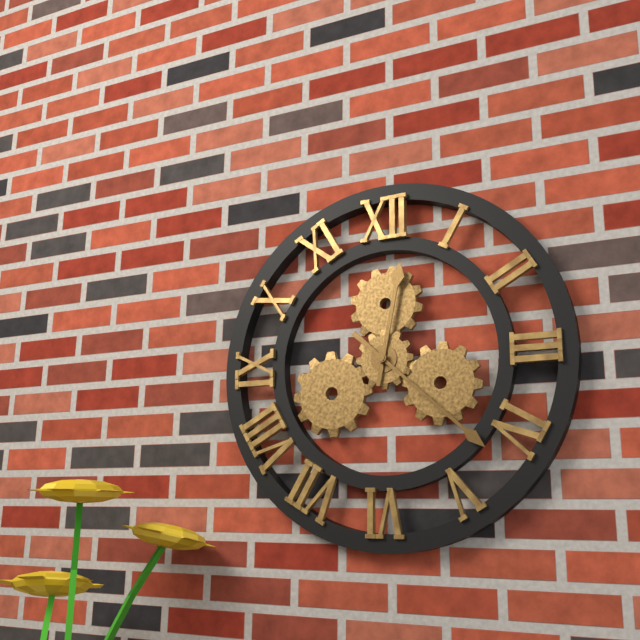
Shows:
12:22
